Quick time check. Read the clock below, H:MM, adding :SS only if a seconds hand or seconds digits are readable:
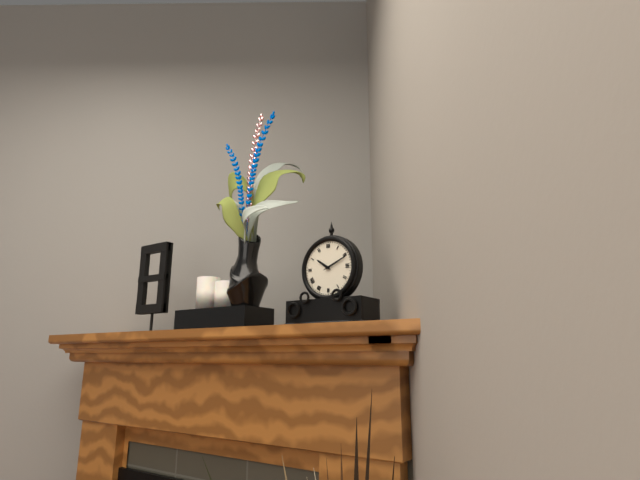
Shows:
10:11
